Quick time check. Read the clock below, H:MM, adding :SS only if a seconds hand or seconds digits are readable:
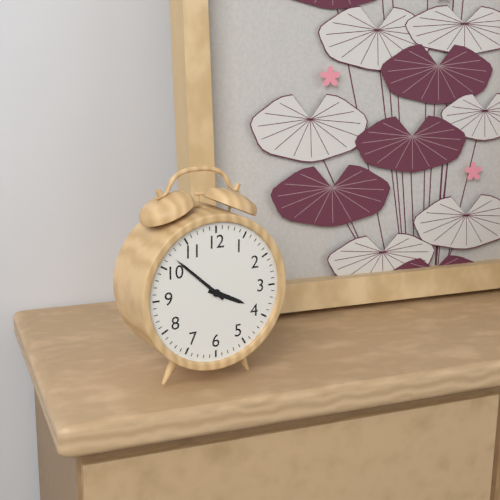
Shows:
3:52
